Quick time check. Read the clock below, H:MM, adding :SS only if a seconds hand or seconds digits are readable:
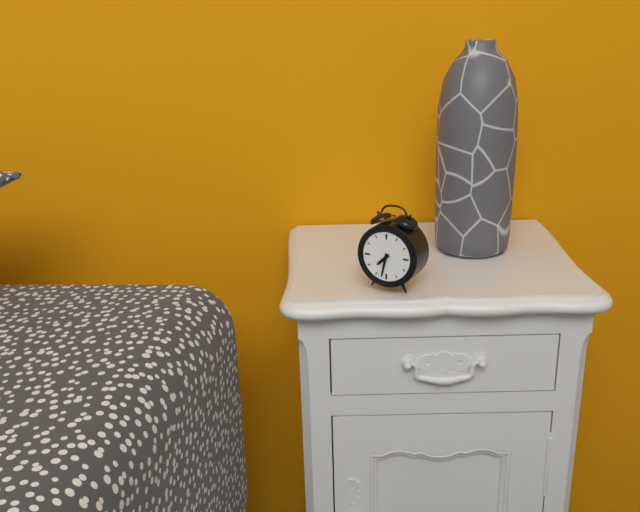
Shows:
7:32
